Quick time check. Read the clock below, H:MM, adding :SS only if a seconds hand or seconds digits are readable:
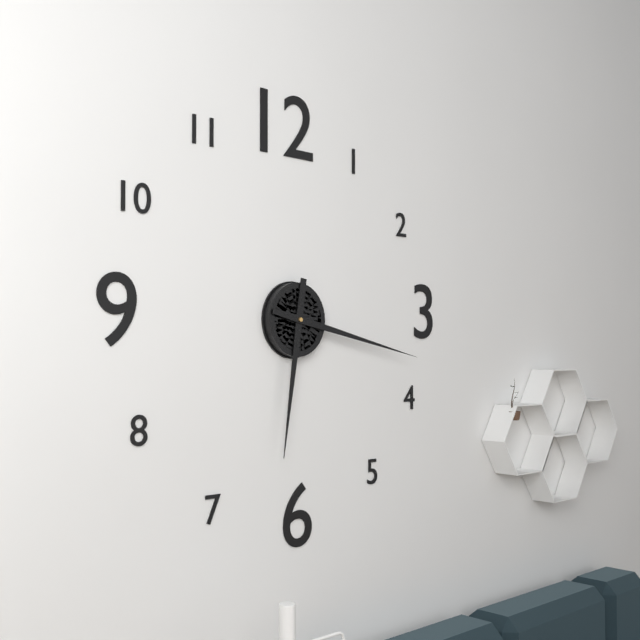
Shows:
6:17
